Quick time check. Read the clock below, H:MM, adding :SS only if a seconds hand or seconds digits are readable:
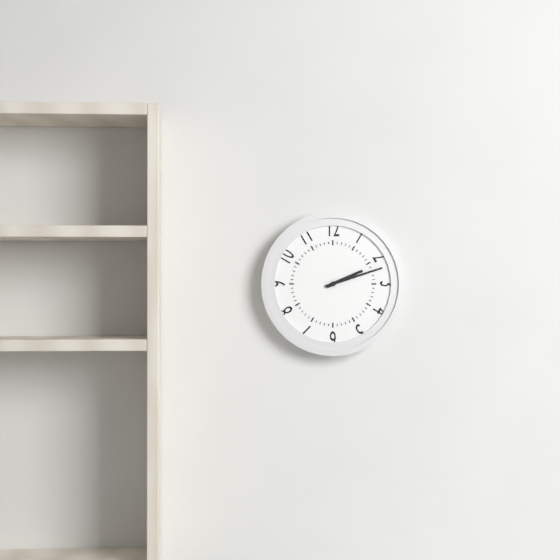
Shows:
2:12
